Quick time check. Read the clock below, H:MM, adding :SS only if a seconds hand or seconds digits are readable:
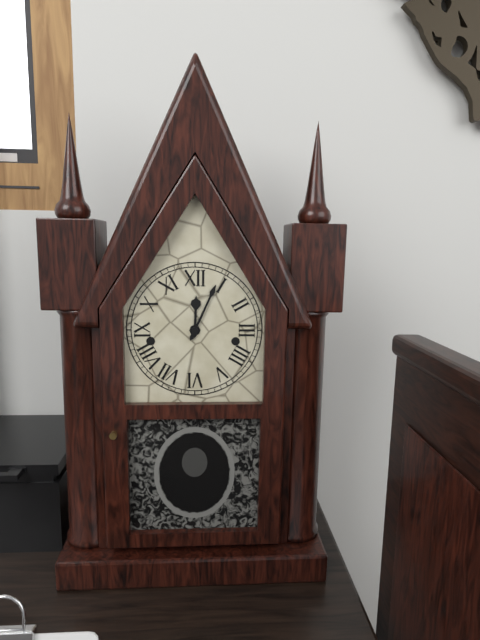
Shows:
12:04
